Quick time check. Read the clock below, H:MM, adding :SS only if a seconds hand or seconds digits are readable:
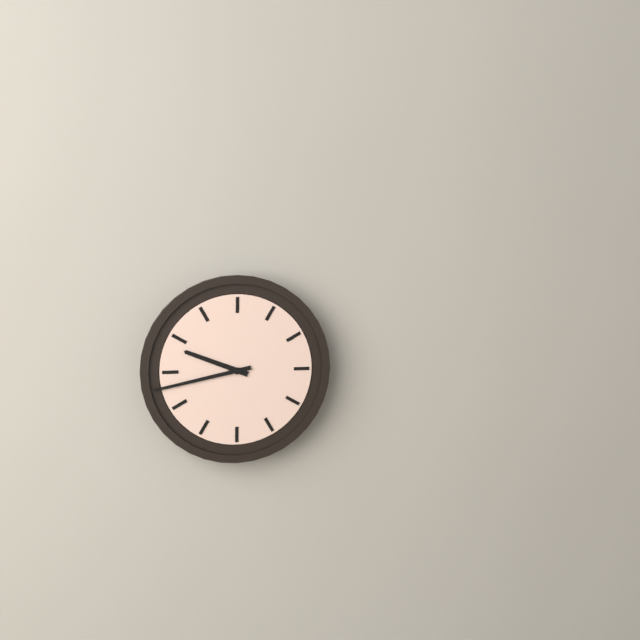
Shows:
9:43
